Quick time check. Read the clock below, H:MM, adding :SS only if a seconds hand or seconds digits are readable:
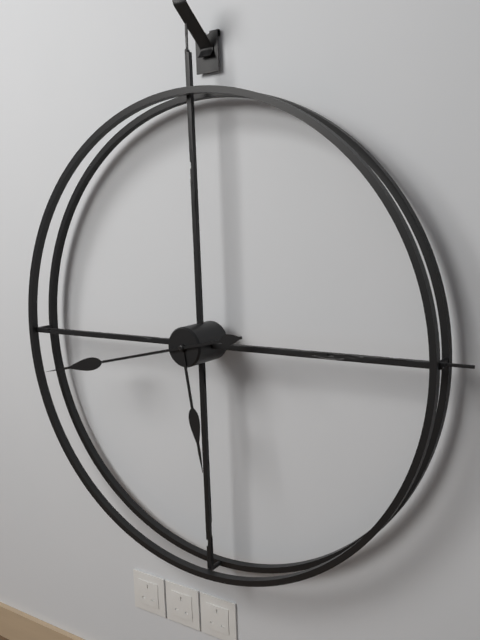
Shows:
5:43
